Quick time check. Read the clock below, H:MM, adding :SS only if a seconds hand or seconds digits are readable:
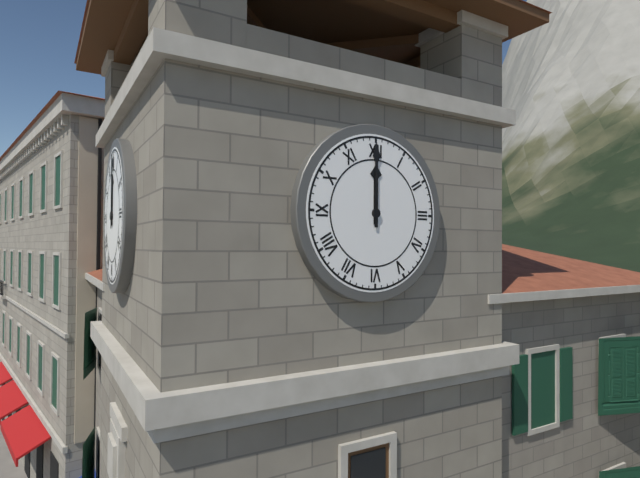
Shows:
12:00
